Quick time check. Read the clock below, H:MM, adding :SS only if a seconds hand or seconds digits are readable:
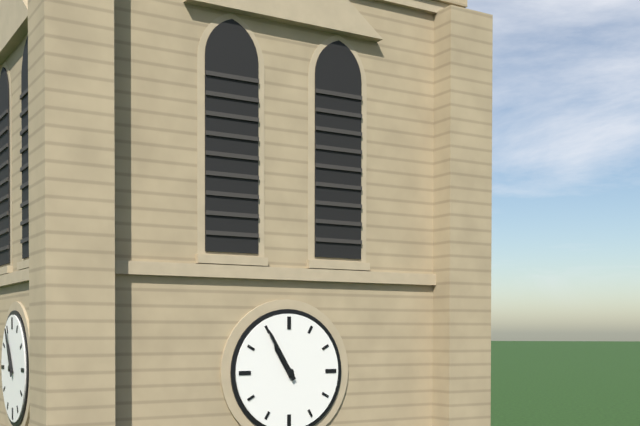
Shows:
10:55
